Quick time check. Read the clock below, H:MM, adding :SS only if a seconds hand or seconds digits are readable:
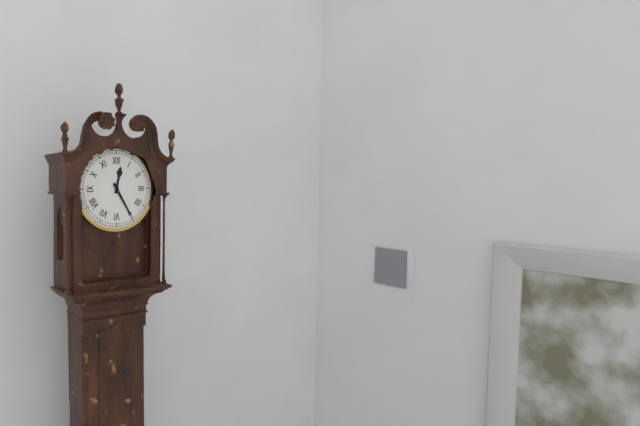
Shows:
12:25
